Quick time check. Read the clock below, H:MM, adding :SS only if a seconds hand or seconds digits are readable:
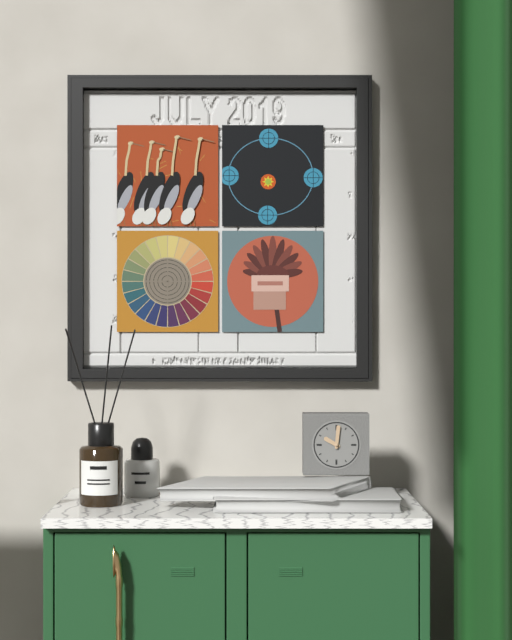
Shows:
10:01
